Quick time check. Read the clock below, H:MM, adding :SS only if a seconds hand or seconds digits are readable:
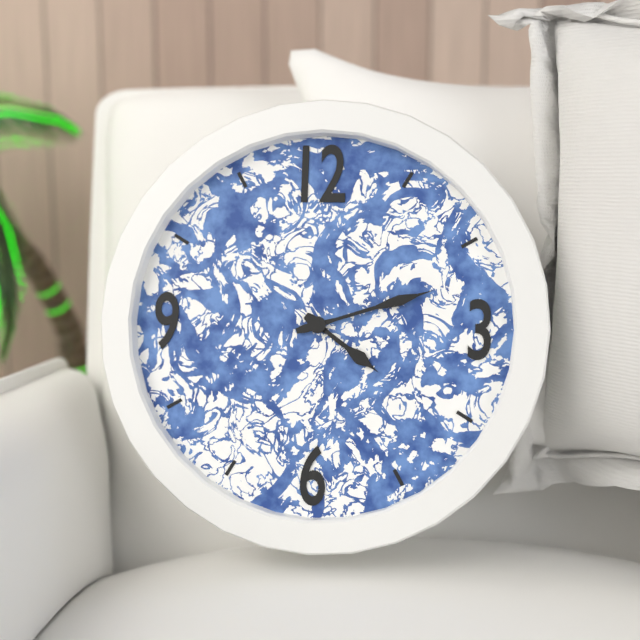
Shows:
4:12
